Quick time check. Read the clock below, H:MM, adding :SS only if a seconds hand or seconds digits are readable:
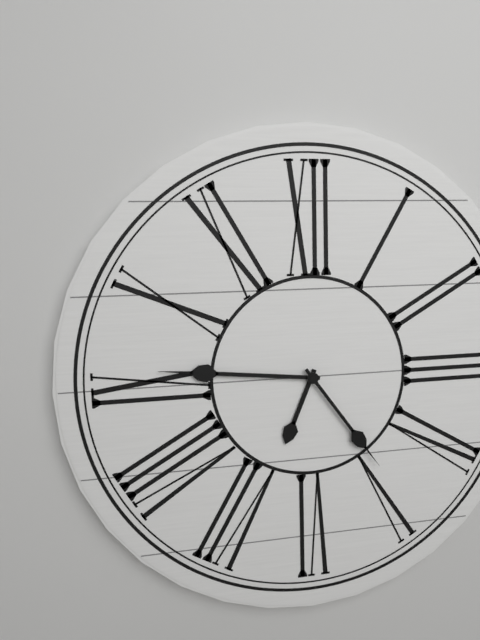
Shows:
6:46:24
